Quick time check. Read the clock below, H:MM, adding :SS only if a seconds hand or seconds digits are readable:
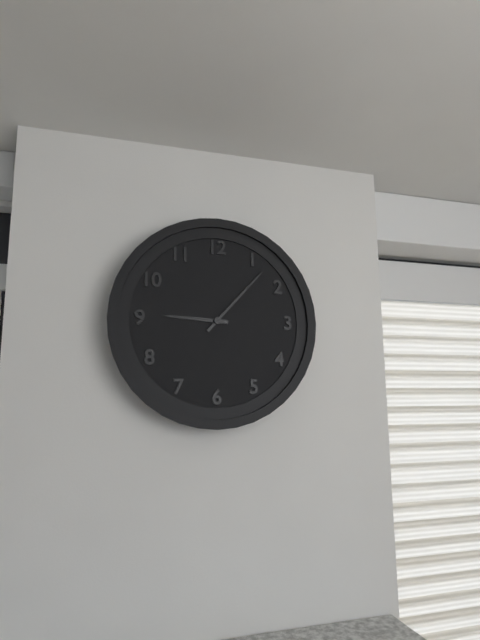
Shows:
9:07
